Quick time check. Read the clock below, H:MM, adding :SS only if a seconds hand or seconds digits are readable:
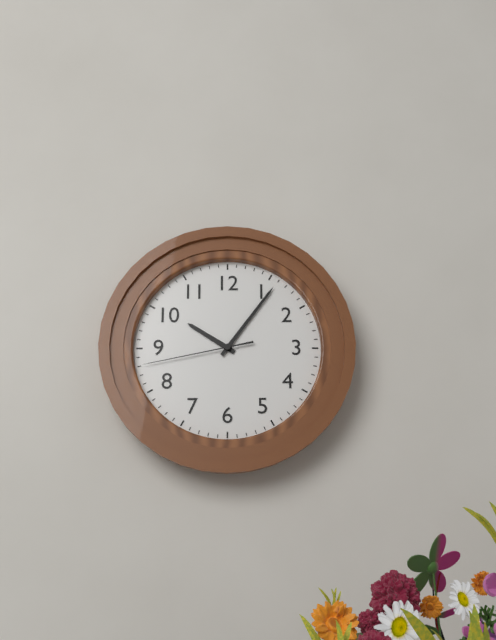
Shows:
10:06:43
